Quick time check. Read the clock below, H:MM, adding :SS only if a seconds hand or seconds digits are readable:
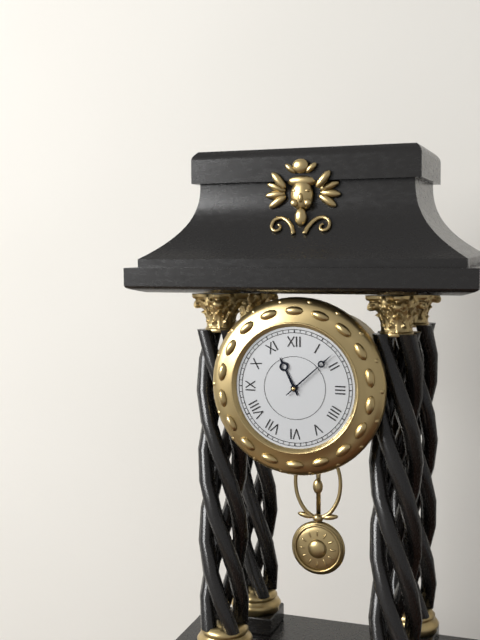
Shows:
11:08
